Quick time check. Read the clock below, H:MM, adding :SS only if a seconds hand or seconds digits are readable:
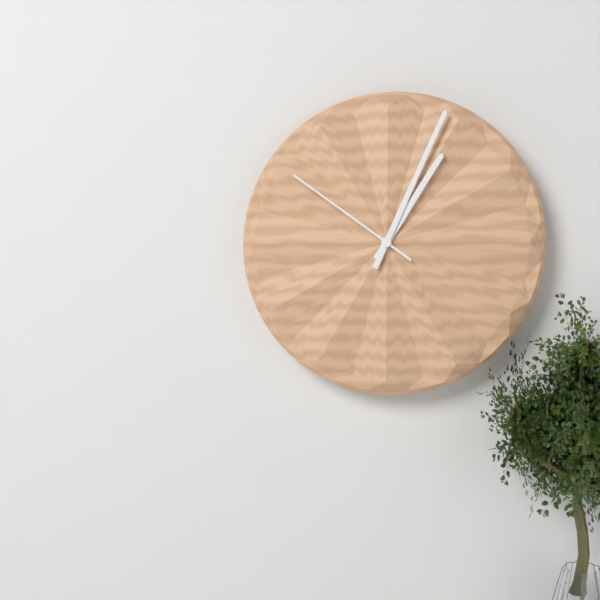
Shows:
1:04:51
